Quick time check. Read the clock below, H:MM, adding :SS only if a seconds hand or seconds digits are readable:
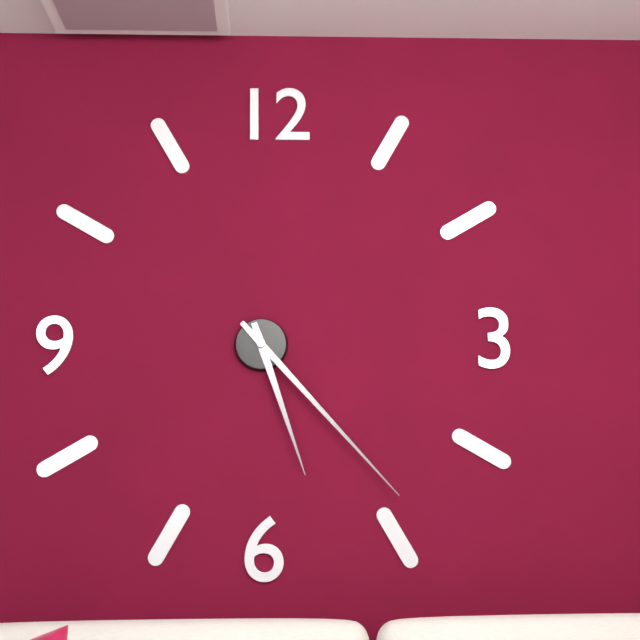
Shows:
5:23
